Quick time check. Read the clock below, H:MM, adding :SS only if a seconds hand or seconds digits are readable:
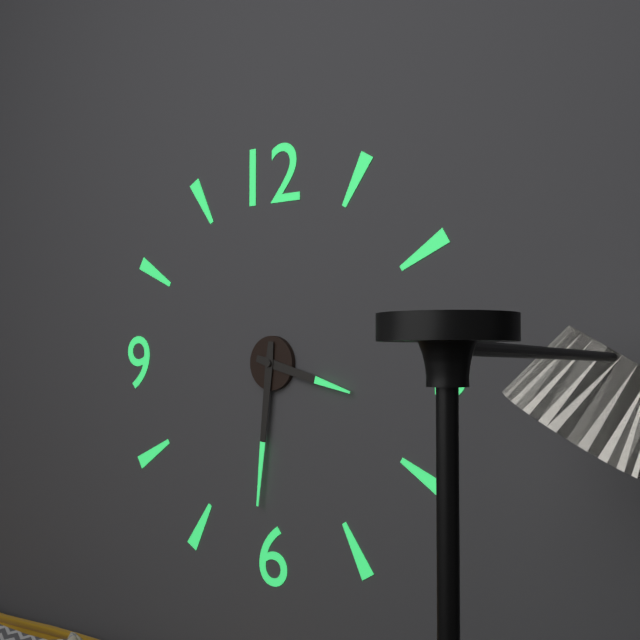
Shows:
3:31
